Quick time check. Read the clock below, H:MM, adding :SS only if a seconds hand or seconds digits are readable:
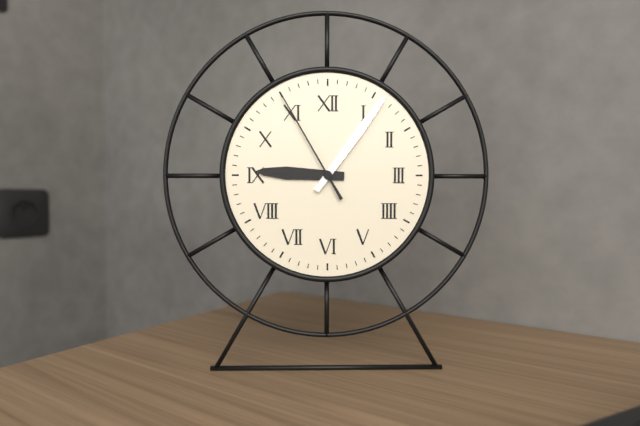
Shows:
9:06:55
